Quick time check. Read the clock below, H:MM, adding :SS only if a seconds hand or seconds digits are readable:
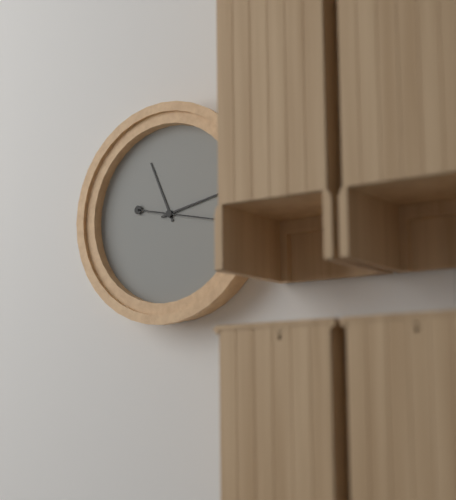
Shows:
11:13:17
